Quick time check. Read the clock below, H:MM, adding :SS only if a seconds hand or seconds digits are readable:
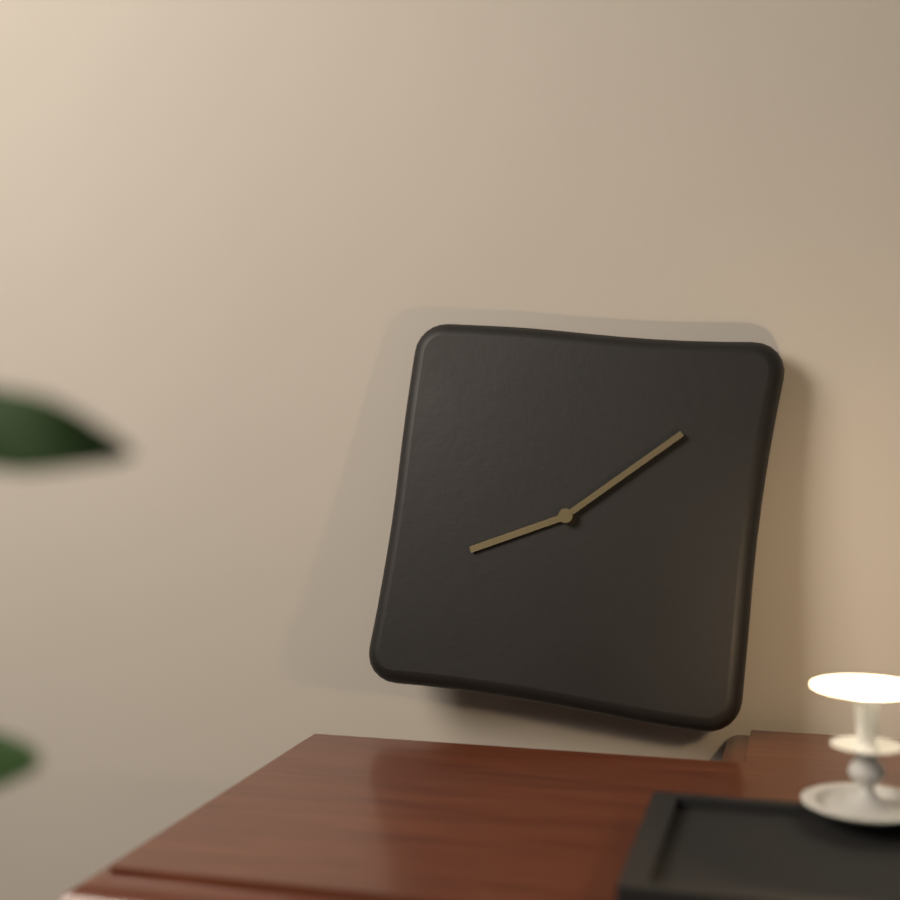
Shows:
8:08
